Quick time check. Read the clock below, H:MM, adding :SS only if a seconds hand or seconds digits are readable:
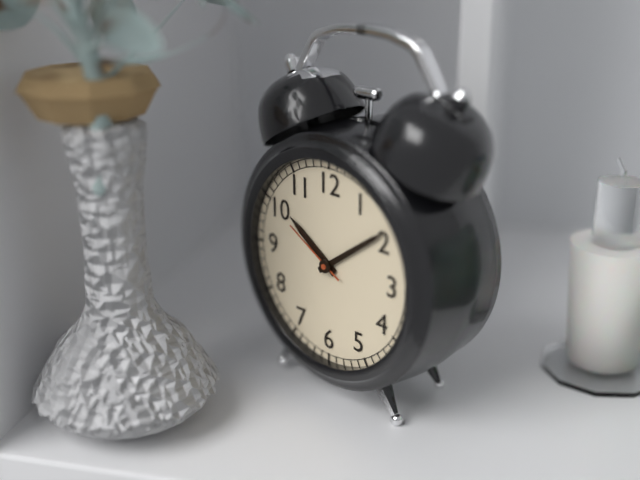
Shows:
10:09:50
